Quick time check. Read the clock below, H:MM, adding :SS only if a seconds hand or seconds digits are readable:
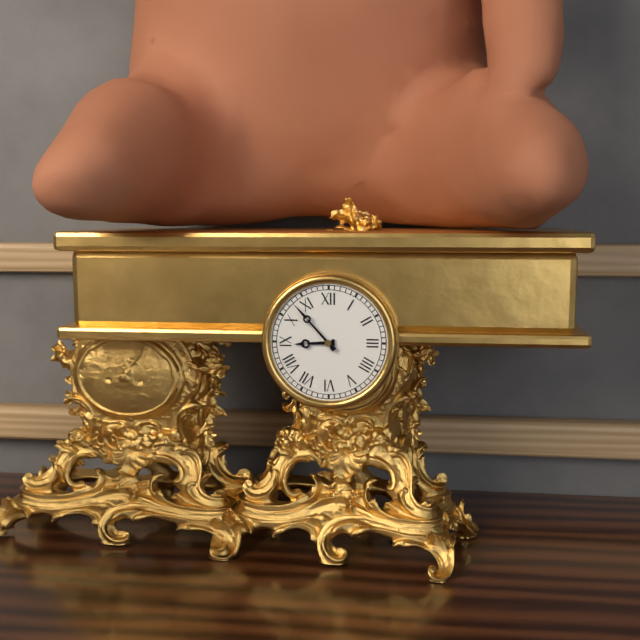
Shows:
8:53
